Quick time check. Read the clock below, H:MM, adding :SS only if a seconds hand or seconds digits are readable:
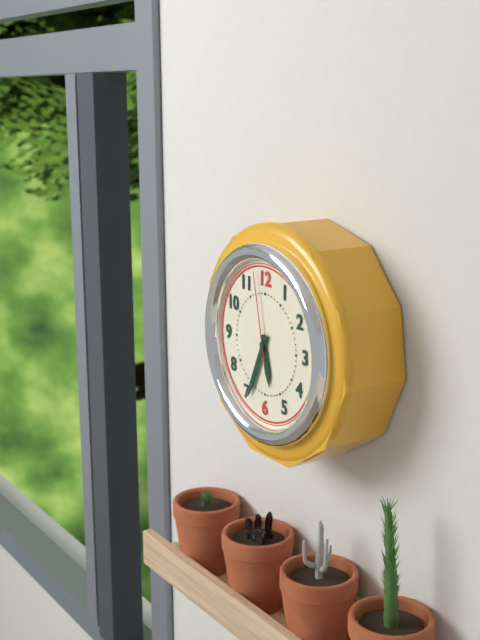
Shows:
5:34:58
